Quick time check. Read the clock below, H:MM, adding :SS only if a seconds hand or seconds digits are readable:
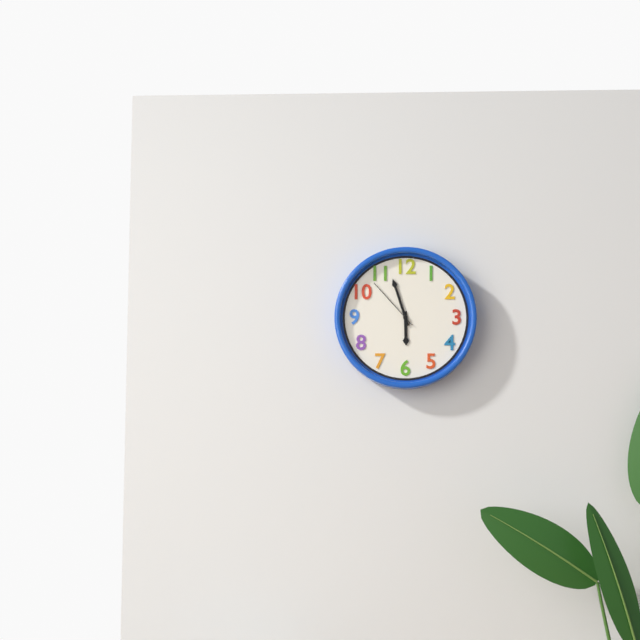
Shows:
5:57:53
